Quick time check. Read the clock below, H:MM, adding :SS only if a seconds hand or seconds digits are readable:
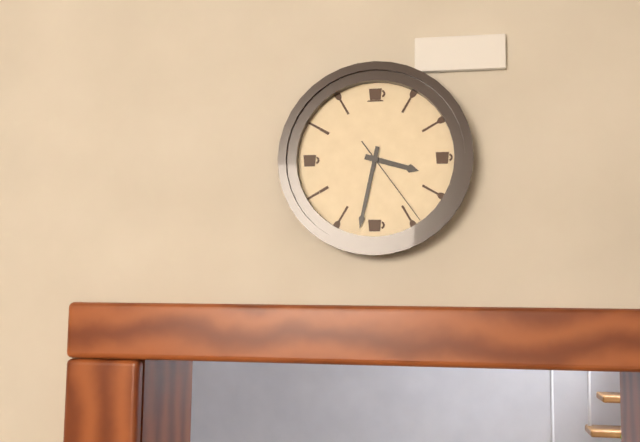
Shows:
3:32:24
